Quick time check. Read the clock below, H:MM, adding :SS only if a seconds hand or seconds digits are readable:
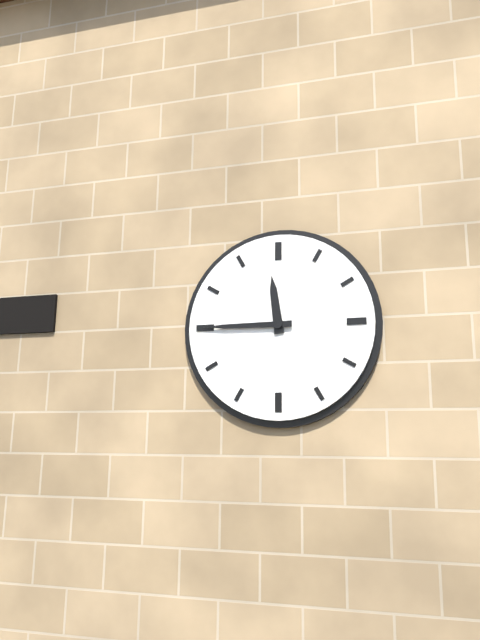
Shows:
11:45
